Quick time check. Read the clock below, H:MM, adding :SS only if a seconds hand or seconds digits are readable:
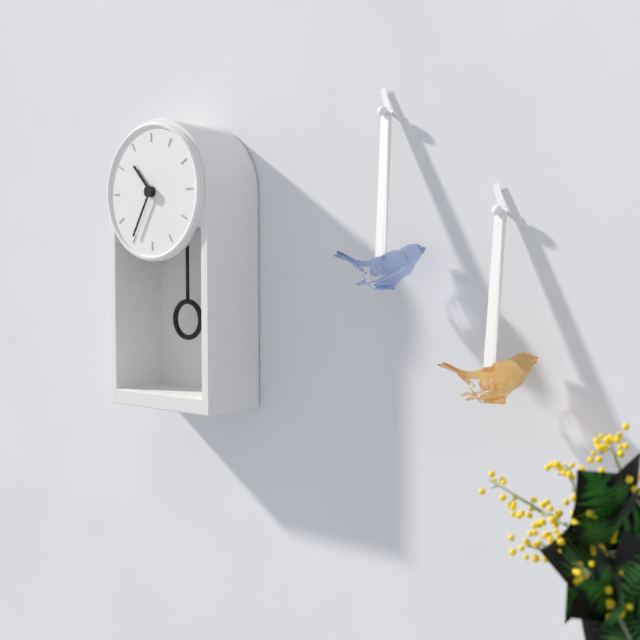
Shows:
10:35
